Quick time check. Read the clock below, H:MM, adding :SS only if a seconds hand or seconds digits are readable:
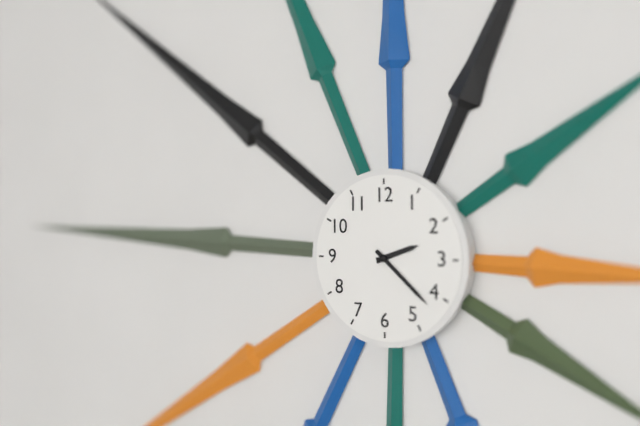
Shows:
2:22
